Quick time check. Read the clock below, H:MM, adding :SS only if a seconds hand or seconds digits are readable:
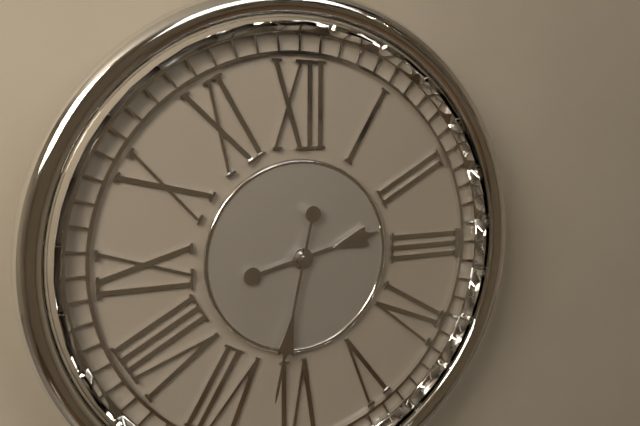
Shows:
2:32
